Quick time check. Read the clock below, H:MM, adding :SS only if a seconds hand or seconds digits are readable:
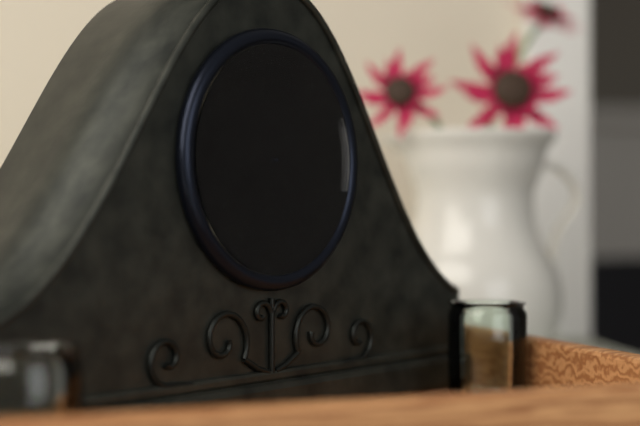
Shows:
12:35
